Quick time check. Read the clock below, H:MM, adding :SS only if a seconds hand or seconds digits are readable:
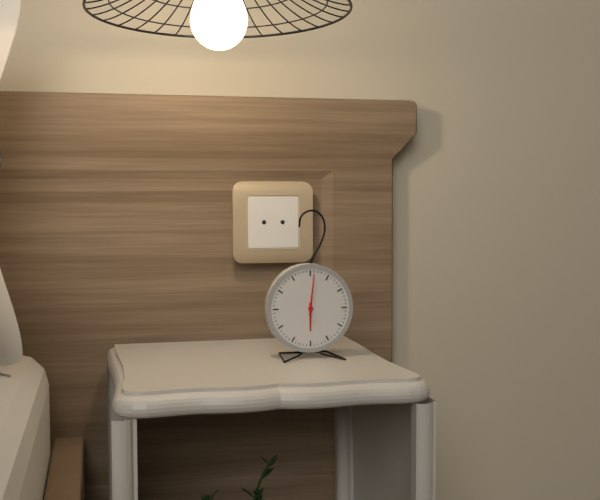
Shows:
6:01
